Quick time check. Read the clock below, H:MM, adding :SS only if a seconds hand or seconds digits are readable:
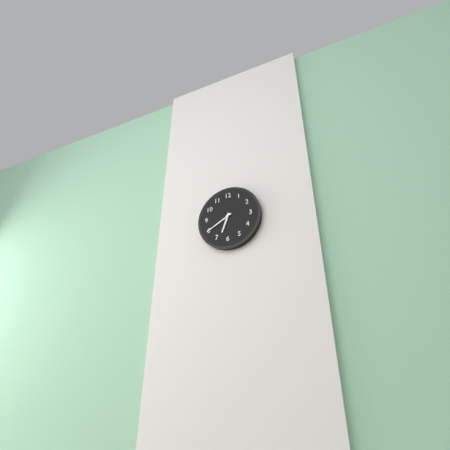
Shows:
6:40
